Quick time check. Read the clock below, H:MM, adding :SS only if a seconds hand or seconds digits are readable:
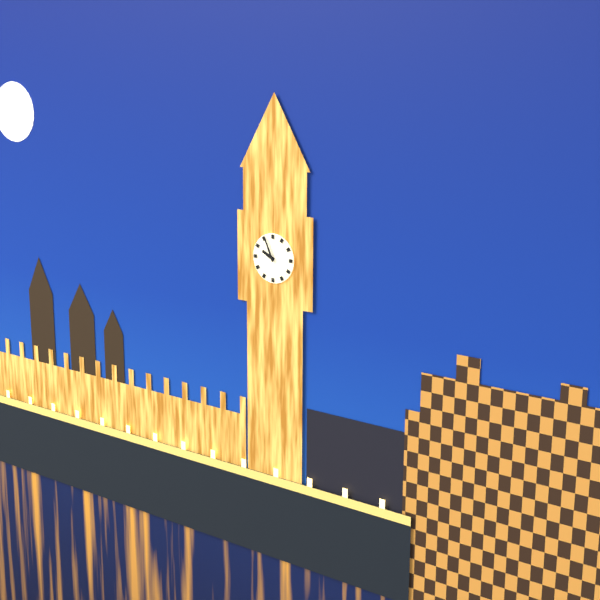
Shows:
9:56
